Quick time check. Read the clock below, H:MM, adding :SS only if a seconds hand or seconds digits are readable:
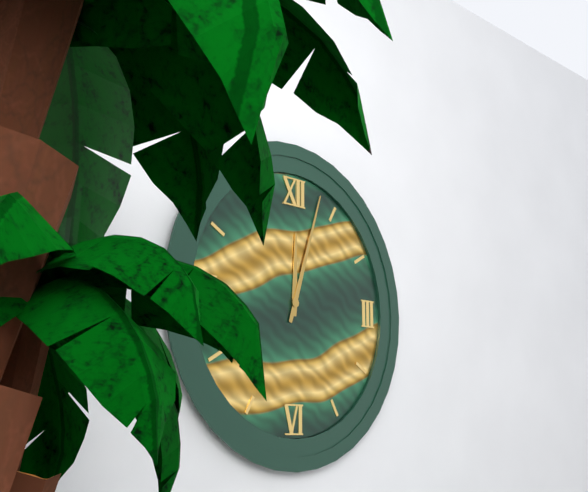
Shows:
12:03
